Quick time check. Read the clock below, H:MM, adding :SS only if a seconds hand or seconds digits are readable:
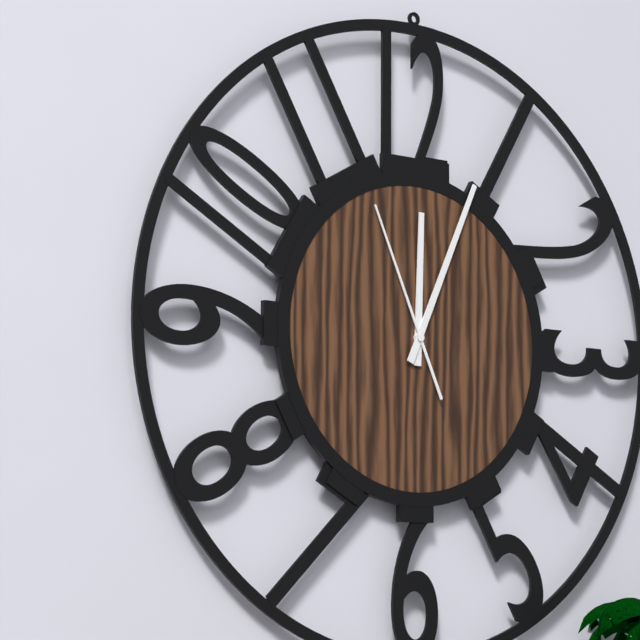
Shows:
12:04:56
